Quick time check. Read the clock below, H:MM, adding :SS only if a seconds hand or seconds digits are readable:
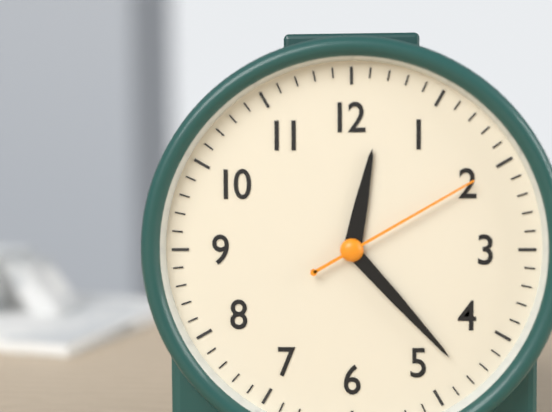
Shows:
12:23:10
